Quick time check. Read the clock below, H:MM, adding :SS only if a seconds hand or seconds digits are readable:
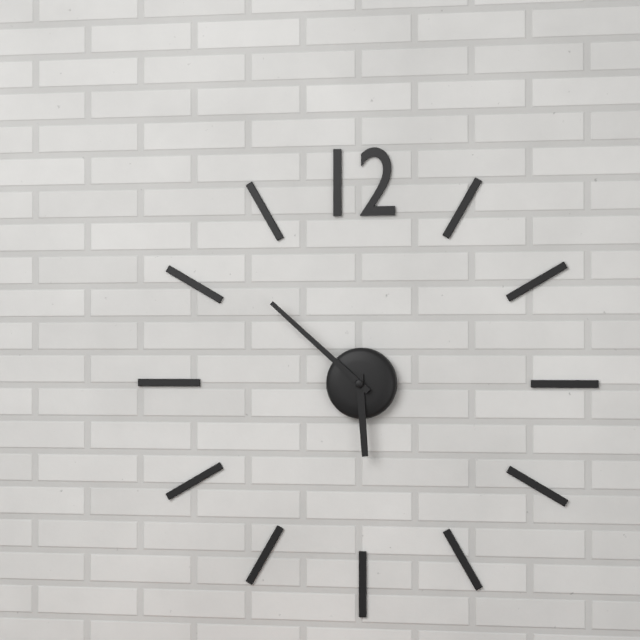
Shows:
5:52
